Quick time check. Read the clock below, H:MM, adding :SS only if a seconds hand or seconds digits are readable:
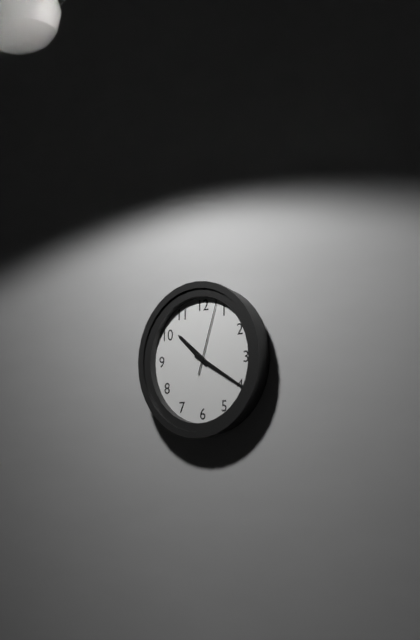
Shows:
10:20:03
